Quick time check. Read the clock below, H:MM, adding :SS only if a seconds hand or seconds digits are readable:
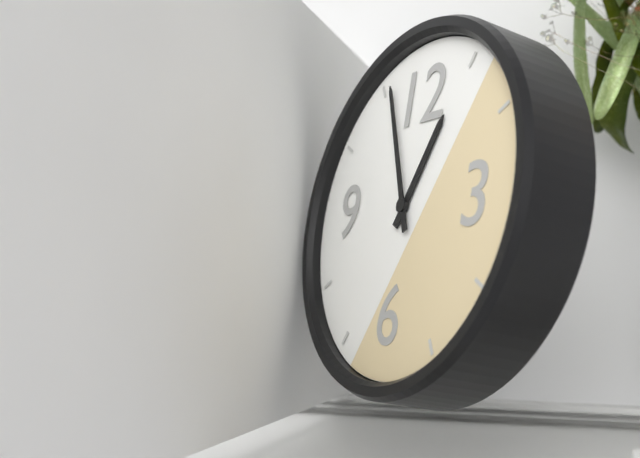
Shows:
12:56
